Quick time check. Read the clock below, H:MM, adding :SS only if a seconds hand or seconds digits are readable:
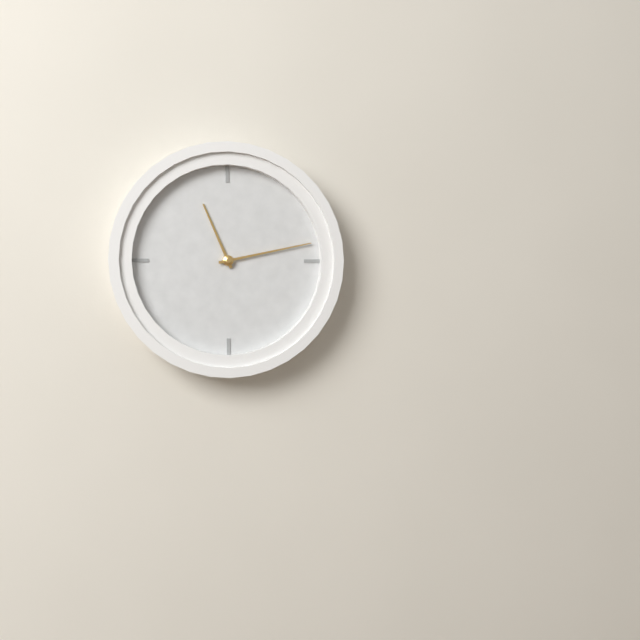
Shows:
11:13
